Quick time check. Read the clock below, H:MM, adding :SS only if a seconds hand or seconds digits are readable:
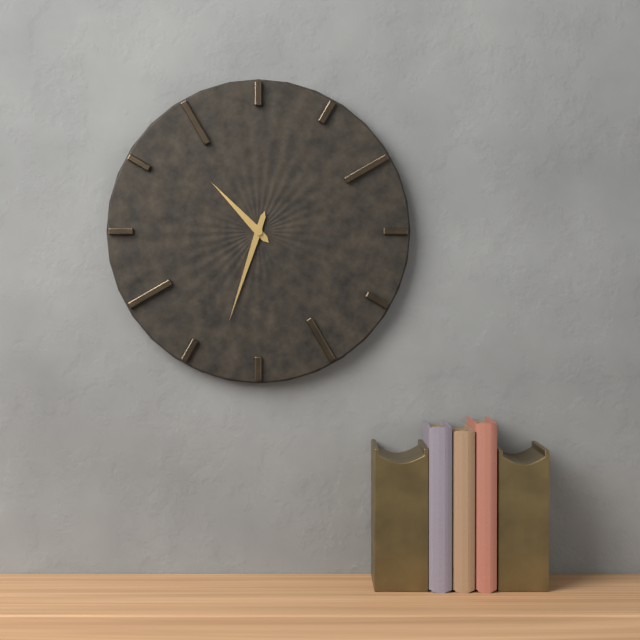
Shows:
10:33
